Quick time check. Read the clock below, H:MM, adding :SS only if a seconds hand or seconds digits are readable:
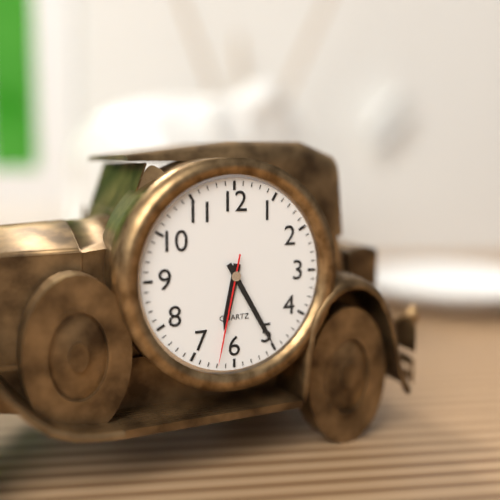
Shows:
6:25:32
